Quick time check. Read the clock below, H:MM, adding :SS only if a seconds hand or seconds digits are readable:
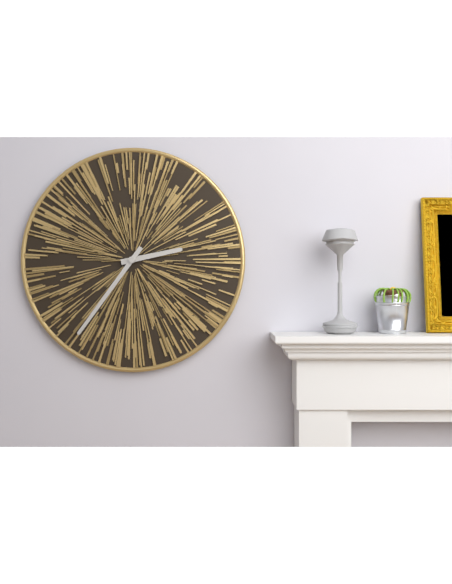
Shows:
2:36
